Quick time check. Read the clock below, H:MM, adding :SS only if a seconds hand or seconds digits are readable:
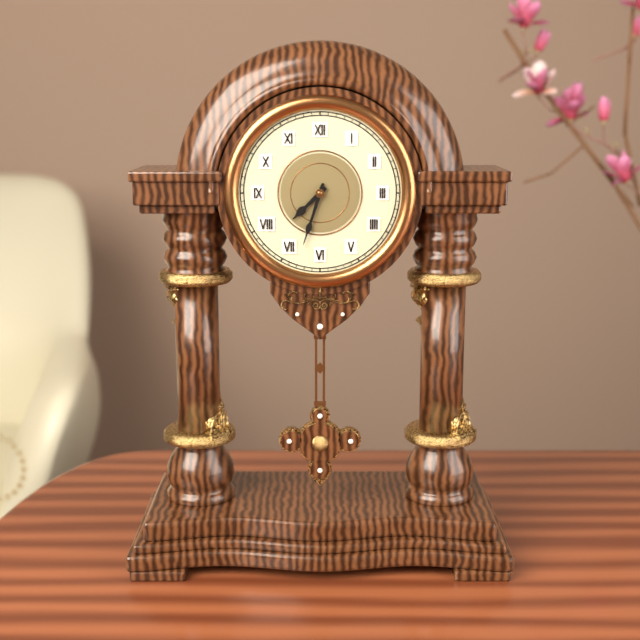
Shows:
7:33
